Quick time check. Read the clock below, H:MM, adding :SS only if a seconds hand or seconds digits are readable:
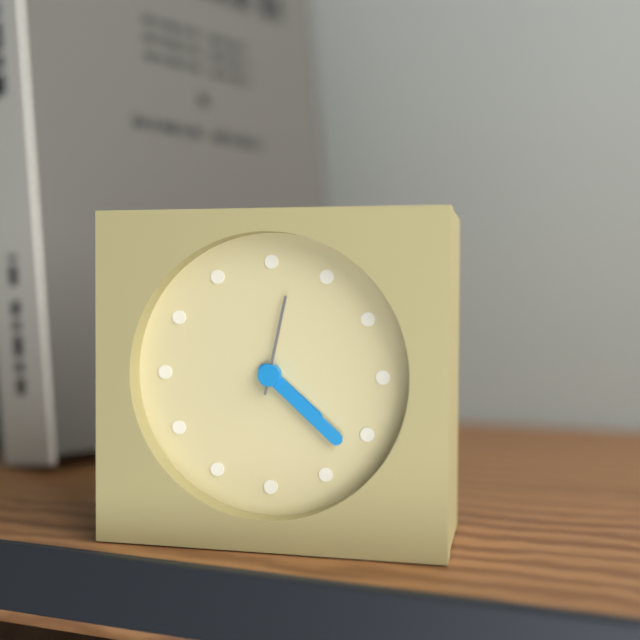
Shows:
4:22:02
